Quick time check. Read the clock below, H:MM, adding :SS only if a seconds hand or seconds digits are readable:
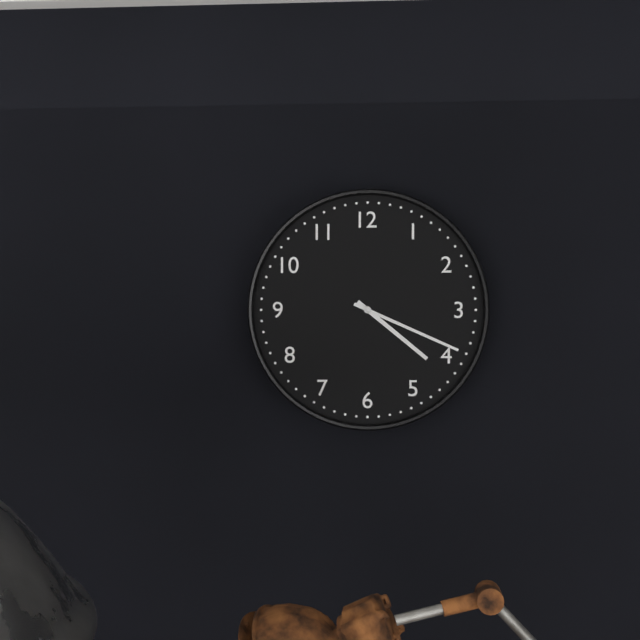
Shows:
4:19
